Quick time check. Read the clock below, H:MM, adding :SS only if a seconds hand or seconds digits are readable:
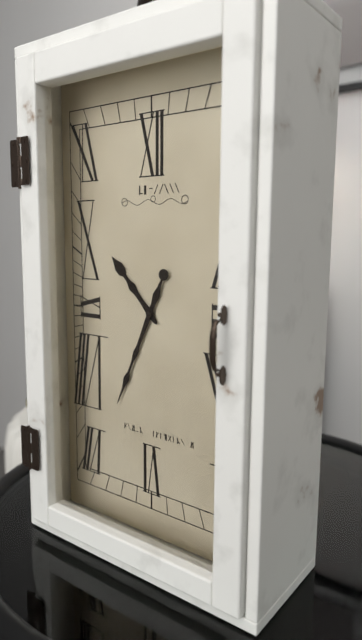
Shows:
10:34
